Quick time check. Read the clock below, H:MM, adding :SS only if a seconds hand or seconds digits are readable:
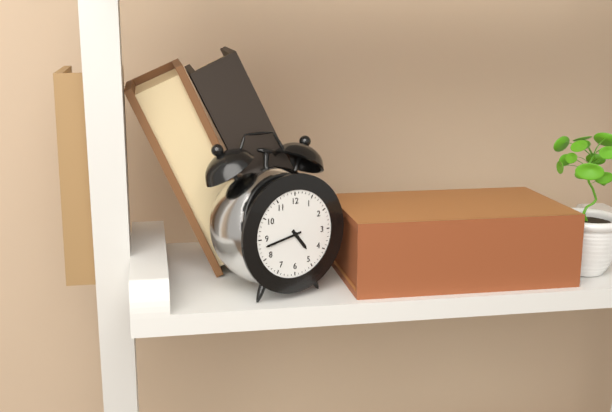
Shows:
4:43
